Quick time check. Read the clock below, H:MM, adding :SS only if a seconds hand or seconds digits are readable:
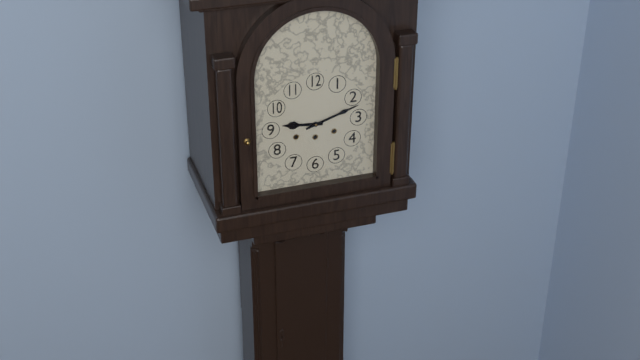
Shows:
9:12
